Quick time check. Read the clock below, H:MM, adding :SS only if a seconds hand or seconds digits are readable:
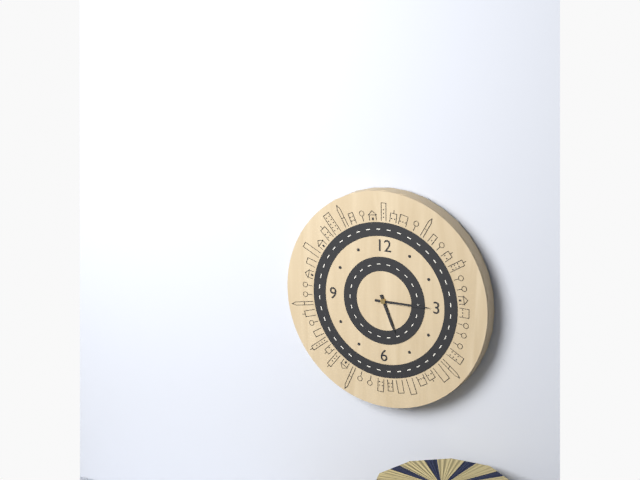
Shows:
5:15
